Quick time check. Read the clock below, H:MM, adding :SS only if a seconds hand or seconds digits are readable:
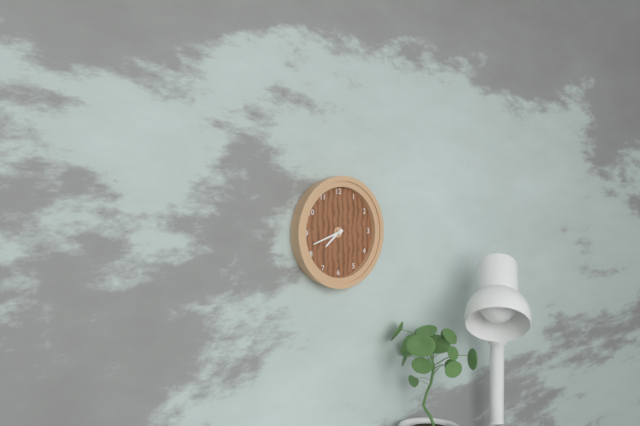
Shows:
7:42
